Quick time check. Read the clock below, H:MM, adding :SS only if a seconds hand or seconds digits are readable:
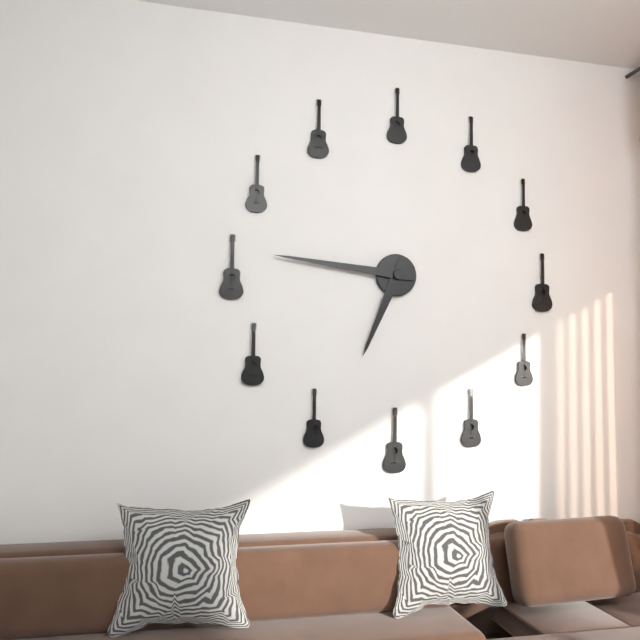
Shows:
6:46
